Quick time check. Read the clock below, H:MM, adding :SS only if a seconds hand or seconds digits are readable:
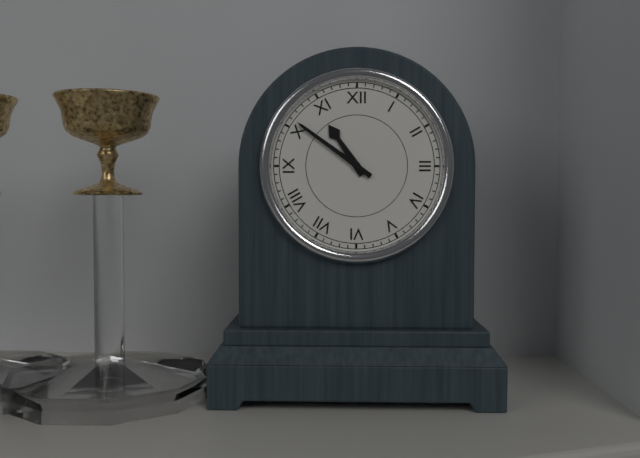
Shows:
10:51
